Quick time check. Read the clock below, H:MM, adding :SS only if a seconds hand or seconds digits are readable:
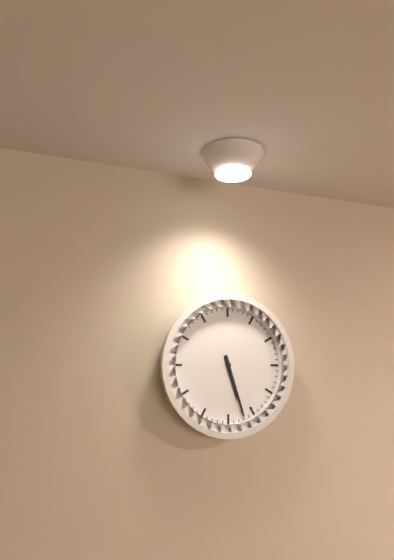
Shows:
5:27
